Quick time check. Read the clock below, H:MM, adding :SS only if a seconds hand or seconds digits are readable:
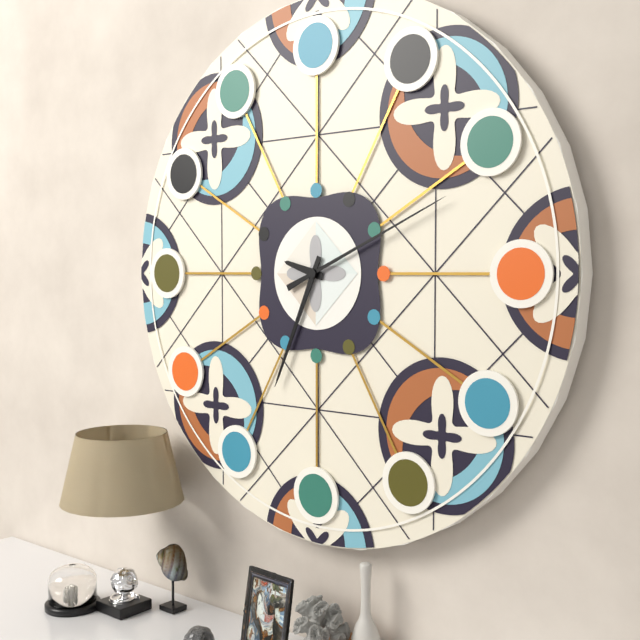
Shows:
9:34:11
